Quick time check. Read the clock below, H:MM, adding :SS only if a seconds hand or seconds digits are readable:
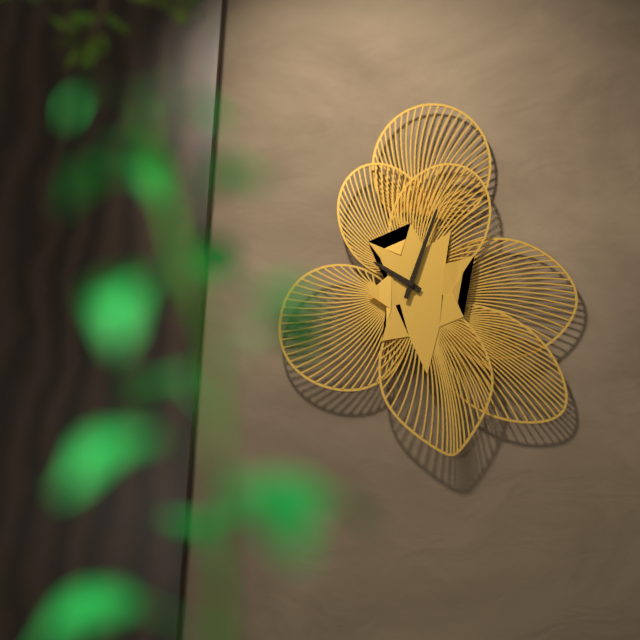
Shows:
10:03
